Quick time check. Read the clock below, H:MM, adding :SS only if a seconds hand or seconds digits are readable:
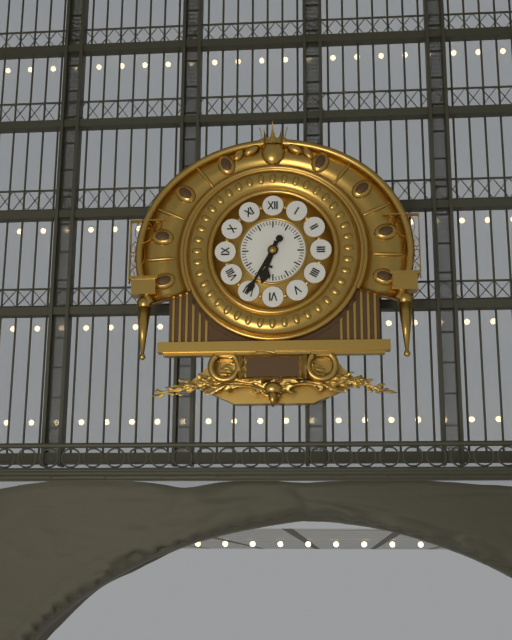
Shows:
6:35
